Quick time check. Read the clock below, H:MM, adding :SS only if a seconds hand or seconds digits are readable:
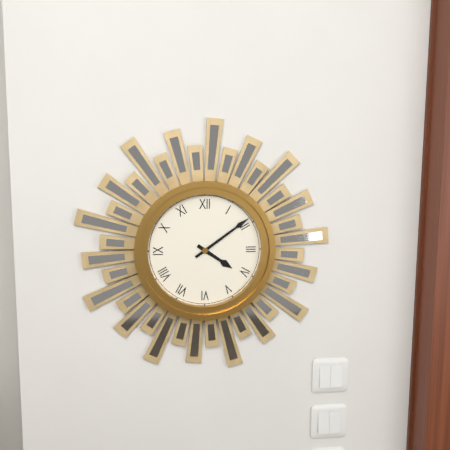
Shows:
4:09
